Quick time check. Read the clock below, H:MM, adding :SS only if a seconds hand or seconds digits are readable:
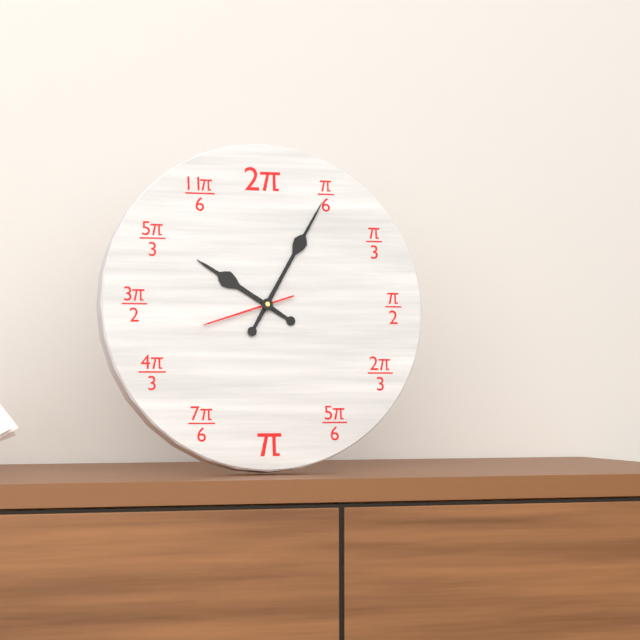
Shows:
10:05:42
